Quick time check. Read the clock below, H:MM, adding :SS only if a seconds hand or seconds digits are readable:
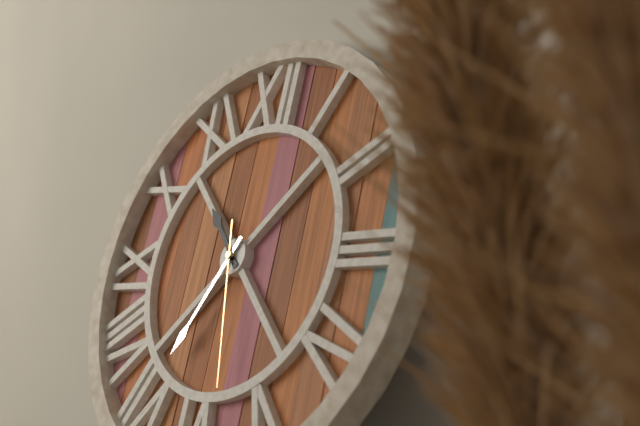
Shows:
10:35:28
